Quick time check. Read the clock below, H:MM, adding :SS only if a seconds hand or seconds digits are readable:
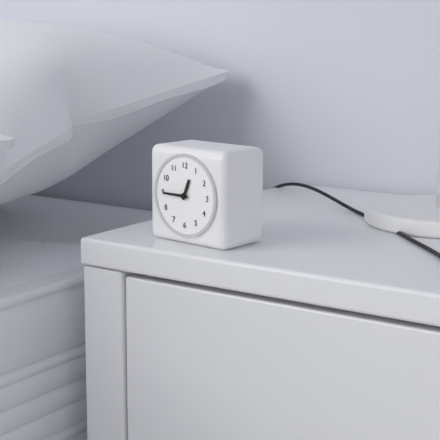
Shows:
12:45
